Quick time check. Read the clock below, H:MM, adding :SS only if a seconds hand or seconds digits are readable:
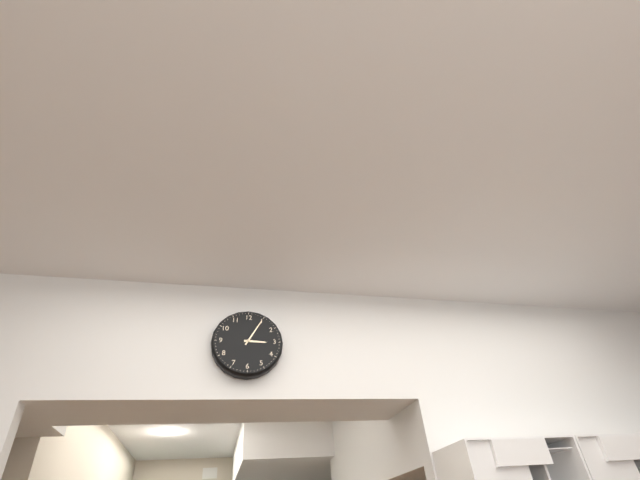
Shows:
3:05
